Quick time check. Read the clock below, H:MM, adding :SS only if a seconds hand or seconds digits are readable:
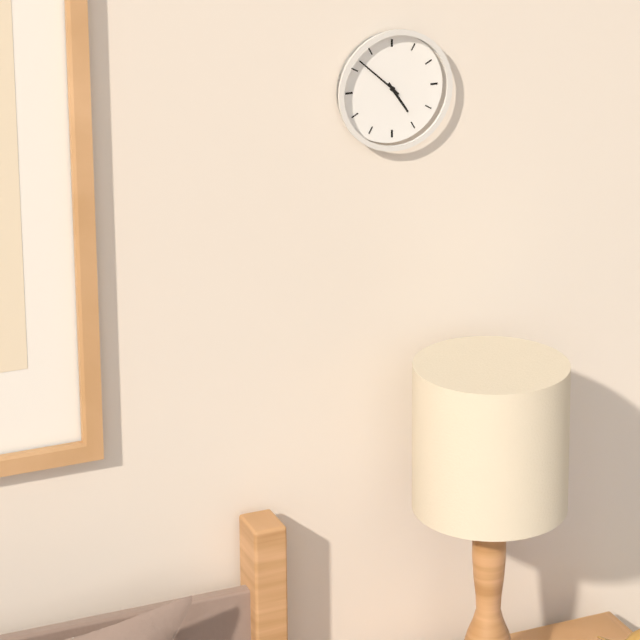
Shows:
4:52
